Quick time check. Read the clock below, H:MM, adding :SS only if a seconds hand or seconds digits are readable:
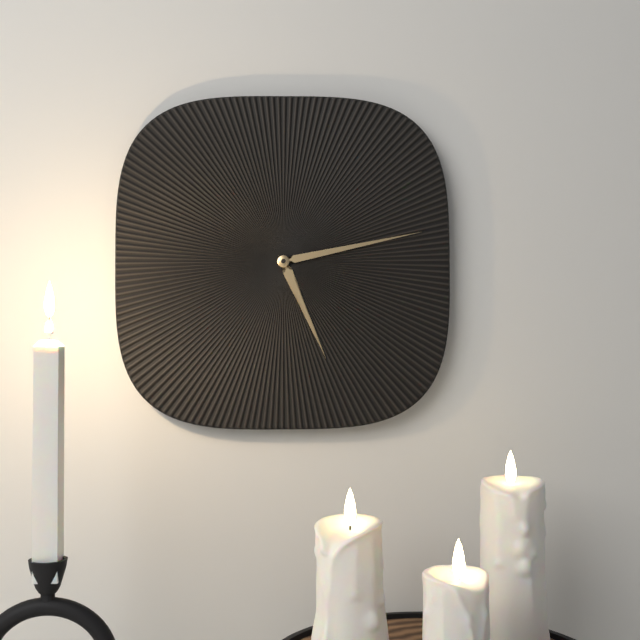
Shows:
5:13
